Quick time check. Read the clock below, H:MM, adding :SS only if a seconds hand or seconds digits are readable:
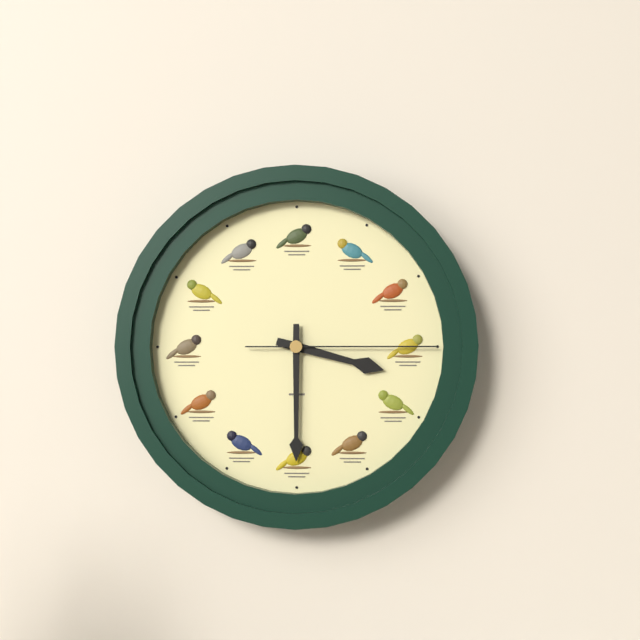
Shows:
3:30:15
